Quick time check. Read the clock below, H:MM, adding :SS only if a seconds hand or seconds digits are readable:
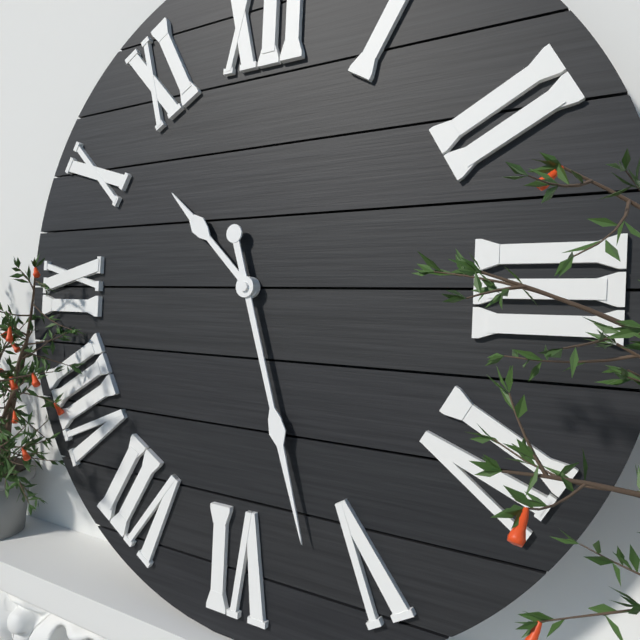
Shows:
10:27
